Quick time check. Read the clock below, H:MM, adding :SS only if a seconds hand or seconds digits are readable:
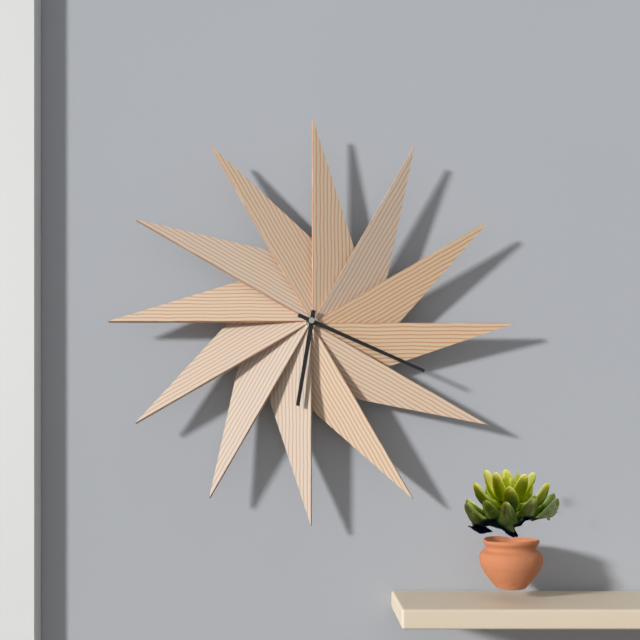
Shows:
6:19
